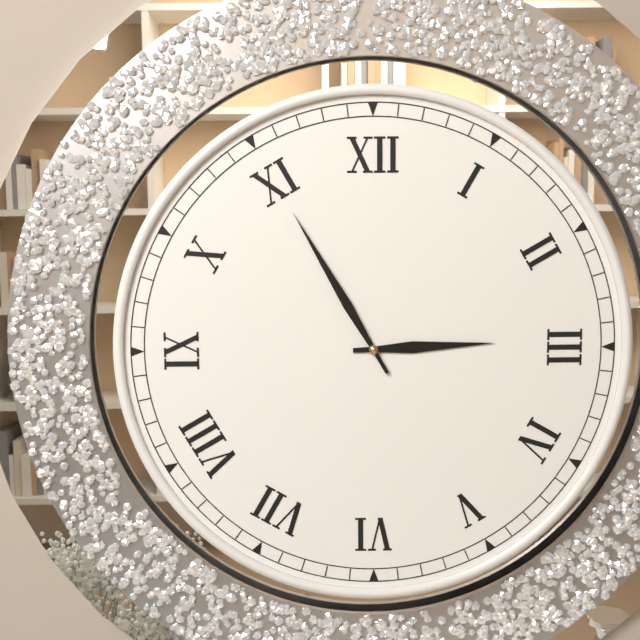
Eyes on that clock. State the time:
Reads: 2:55
